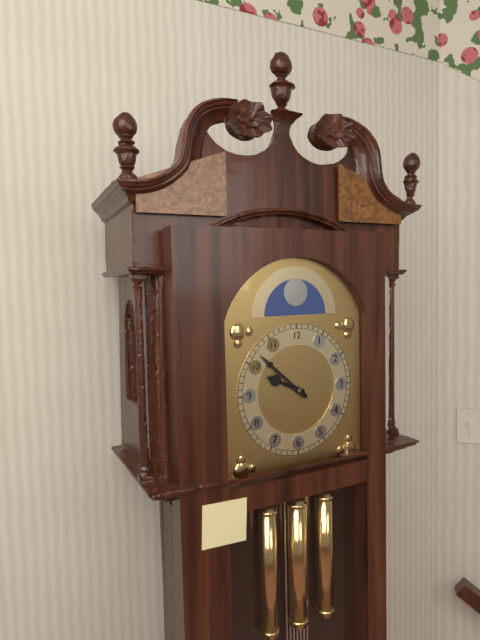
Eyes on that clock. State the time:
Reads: 9:52
